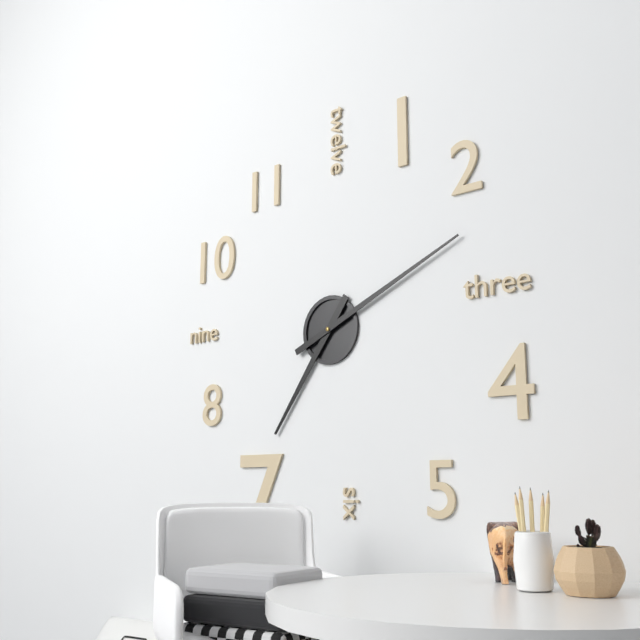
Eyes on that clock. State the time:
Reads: 7:11
